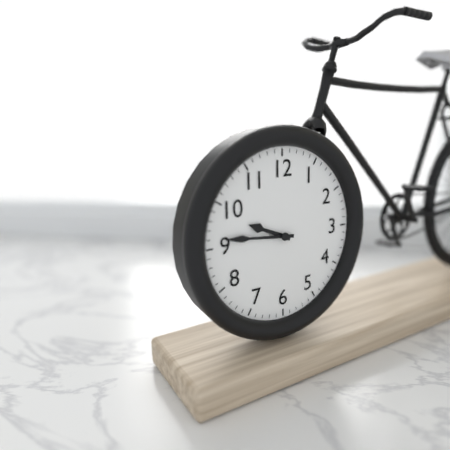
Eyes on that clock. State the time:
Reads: 9:46
